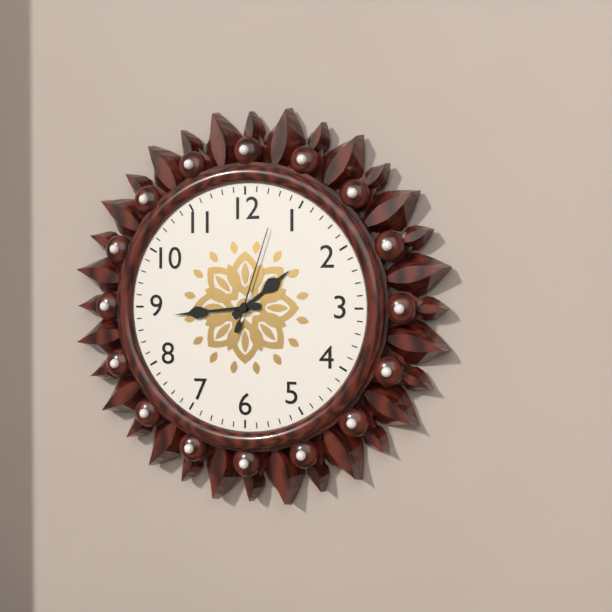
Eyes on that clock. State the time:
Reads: 1:44:03
